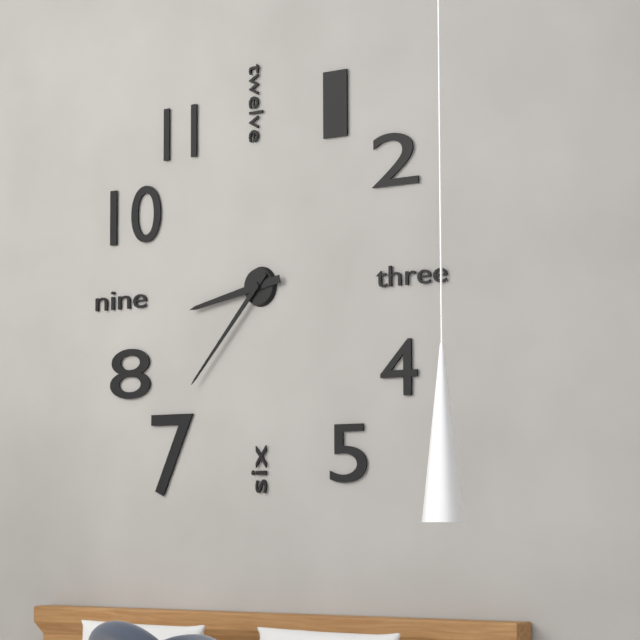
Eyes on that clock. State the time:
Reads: 8:37
